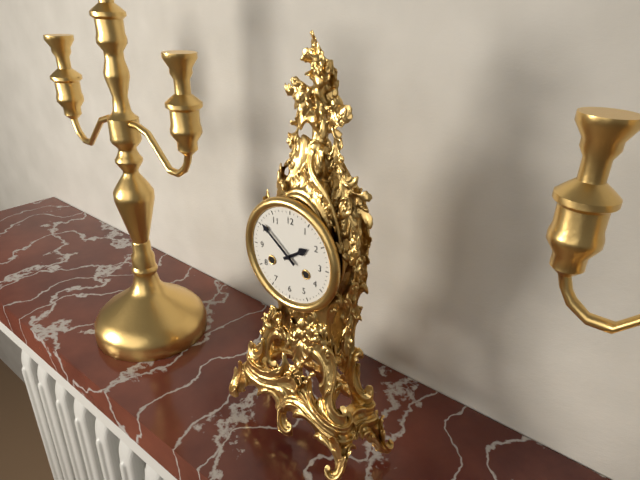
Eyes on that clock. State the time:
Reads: 1:51
